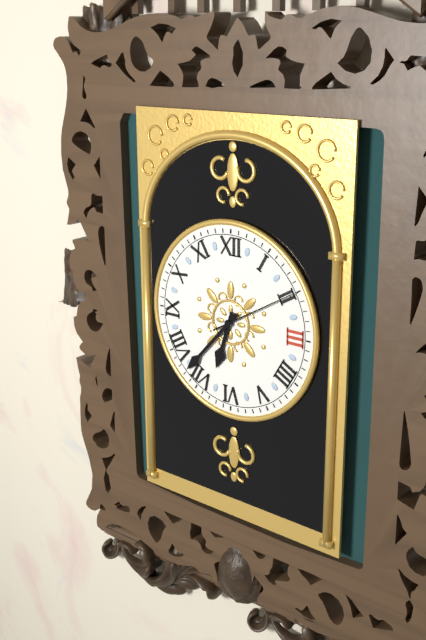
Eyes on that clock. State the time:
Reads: 6:37:10
